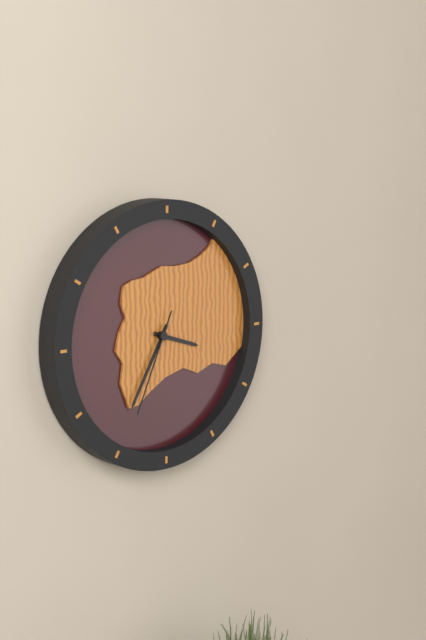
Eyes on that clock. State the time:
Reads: 3:35:34
